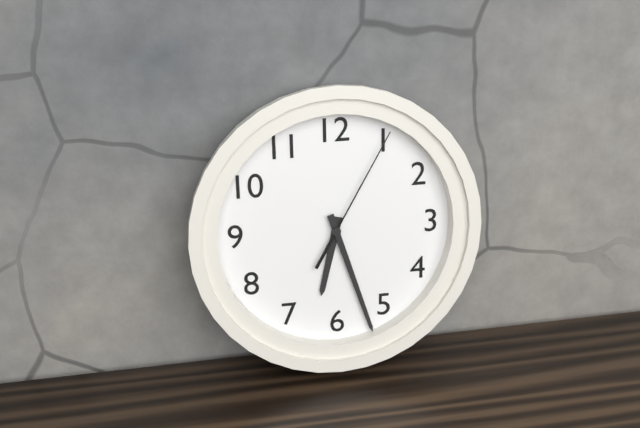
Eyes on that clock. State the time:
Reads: 6:27:05
